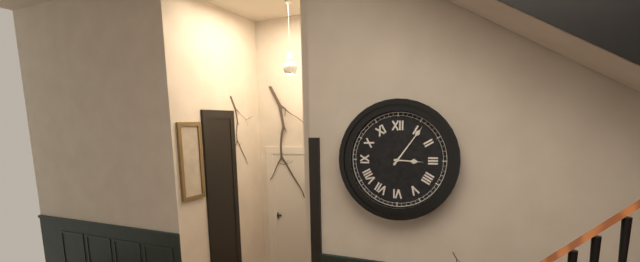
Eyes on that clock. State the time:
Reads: 3:06
